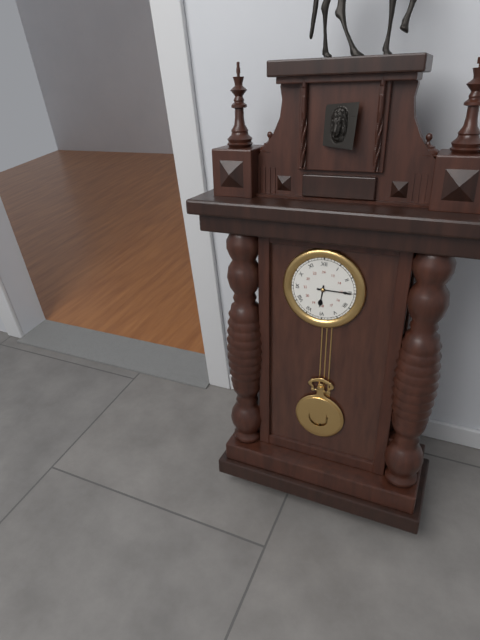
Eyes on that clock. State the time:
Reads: 6:15
